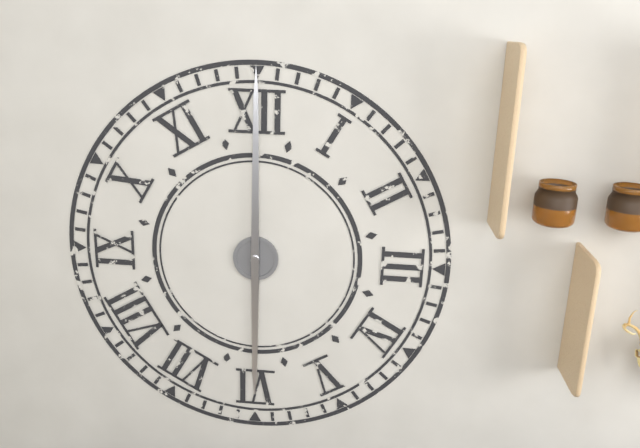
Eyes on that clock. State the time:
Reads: 6:00
